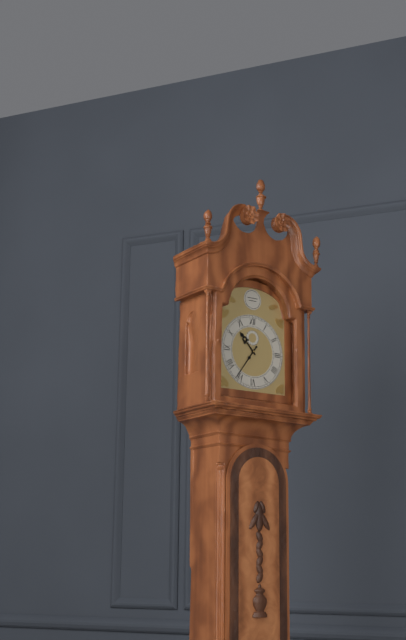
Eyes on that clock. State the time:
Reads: 10:36
